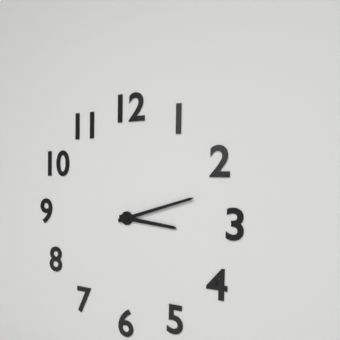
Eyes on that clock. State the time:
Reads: 3:12
